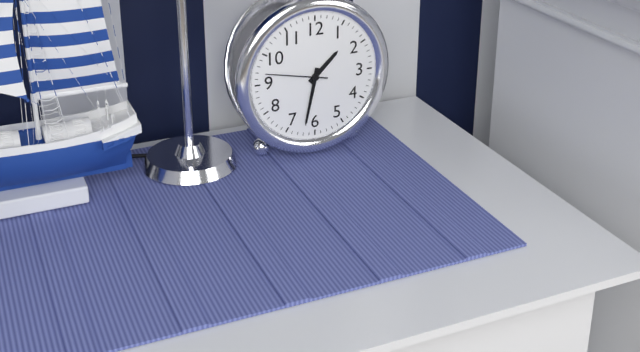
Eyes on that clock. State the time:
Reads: 1:32:47
